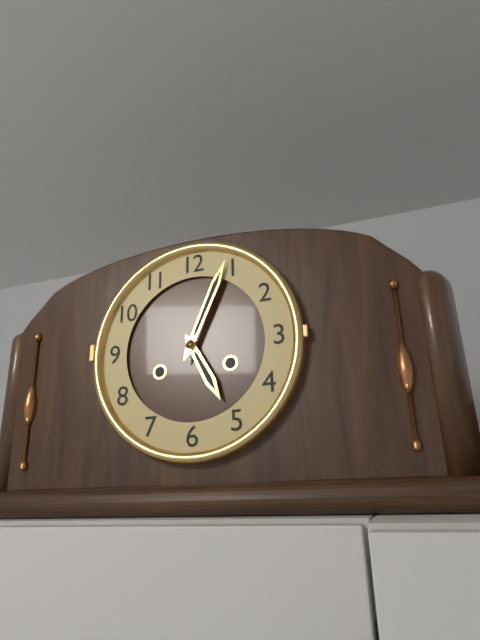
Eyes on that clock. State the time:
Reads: 5:04
